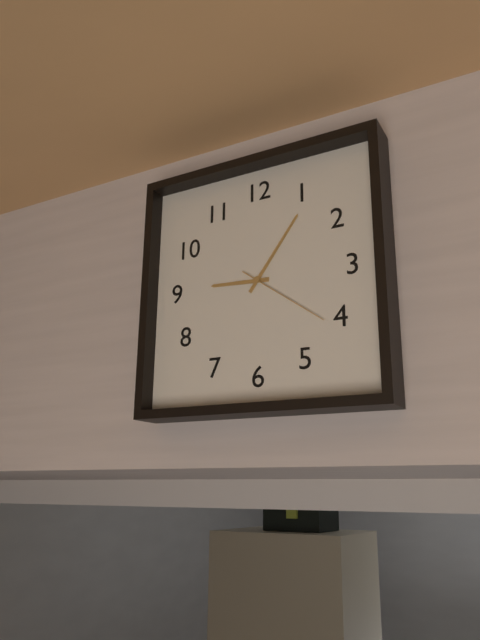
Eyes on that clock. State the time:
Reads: 9:06:21
